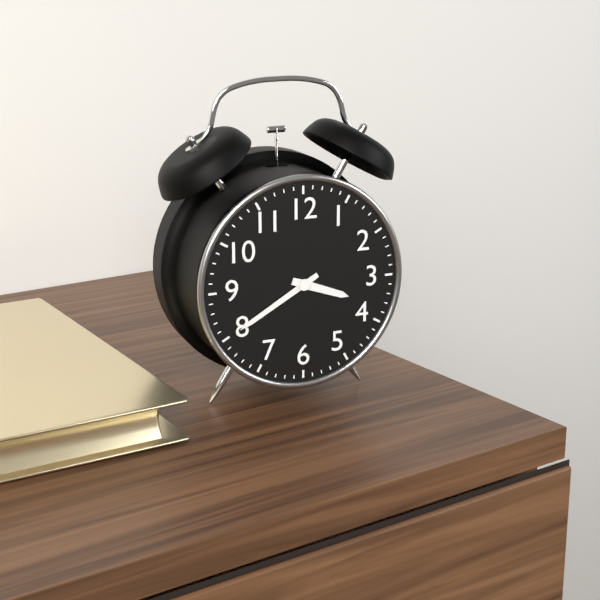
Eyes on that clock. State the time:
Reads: 3:40
